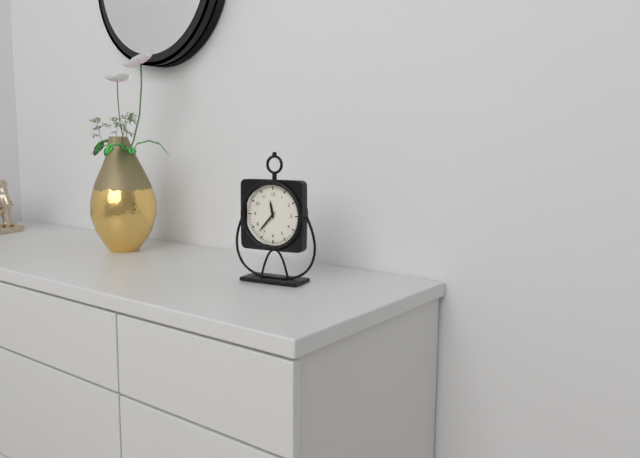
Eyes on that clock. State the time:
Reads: 11:37
